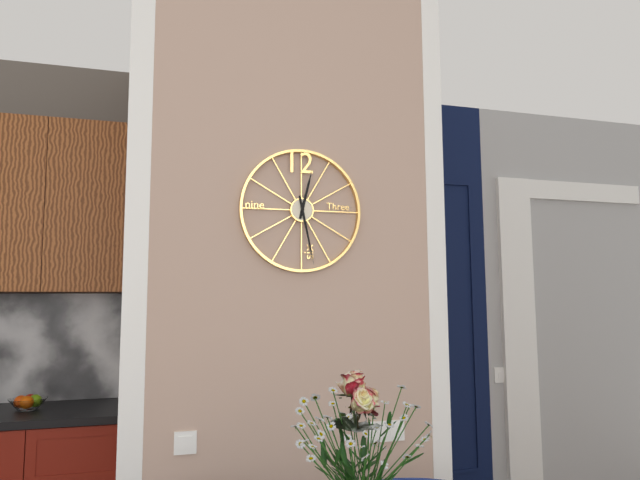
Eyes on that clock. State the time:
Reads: 12:28
